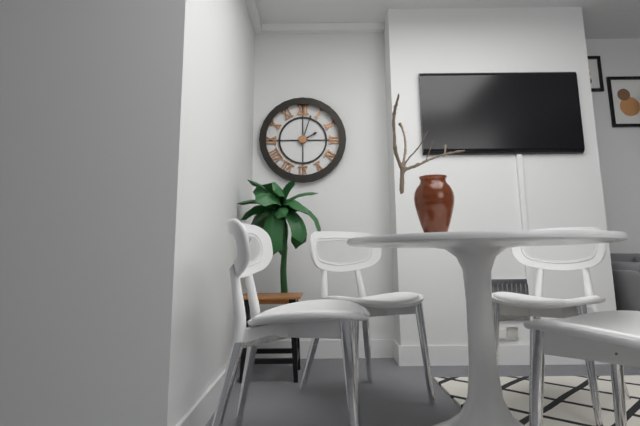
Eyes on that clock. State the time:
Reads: 2:03
